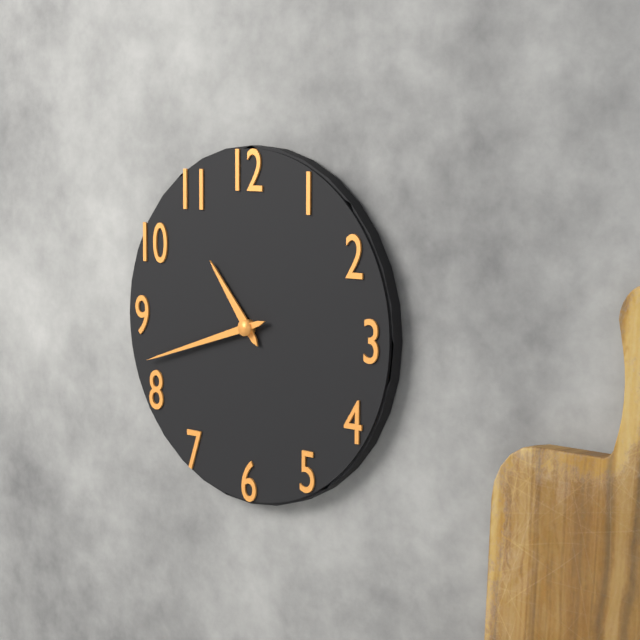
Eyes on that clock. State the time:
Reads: 10:42
